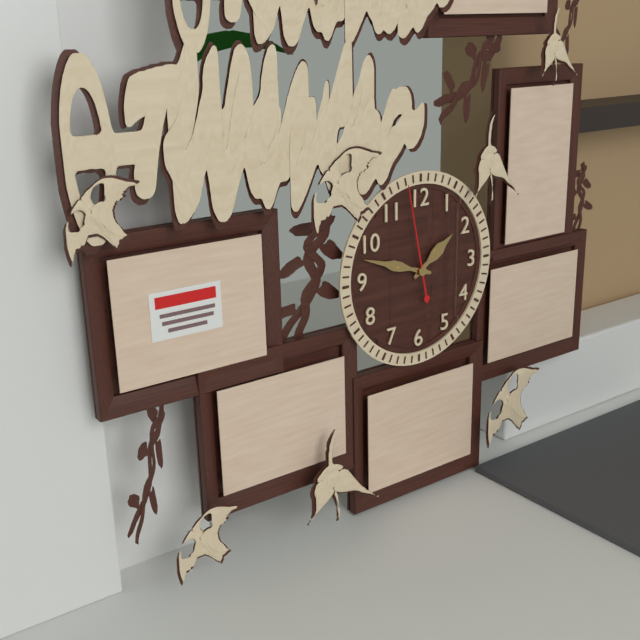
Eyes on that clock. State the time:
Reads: 1:48:58
